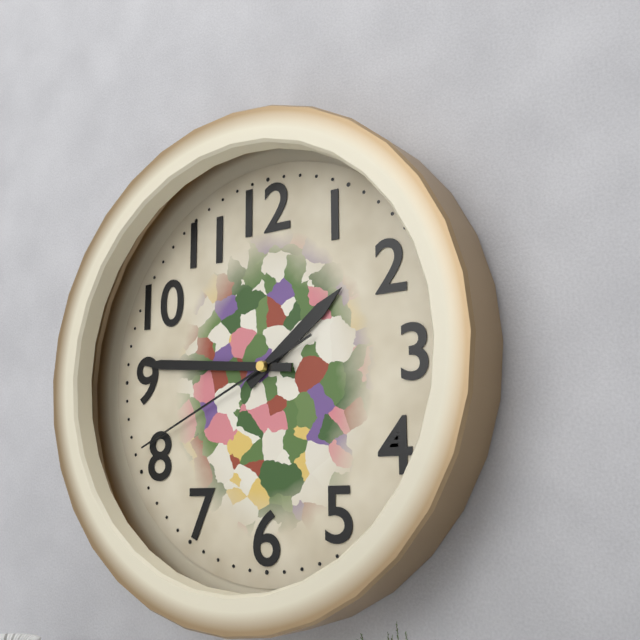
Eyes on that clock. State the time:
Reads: 1:46:41
